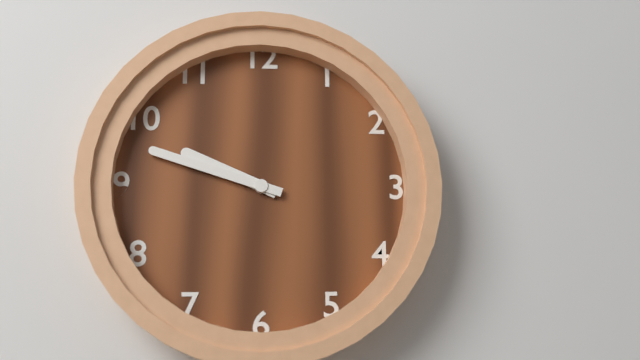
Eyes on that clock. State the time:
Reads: 9:48
